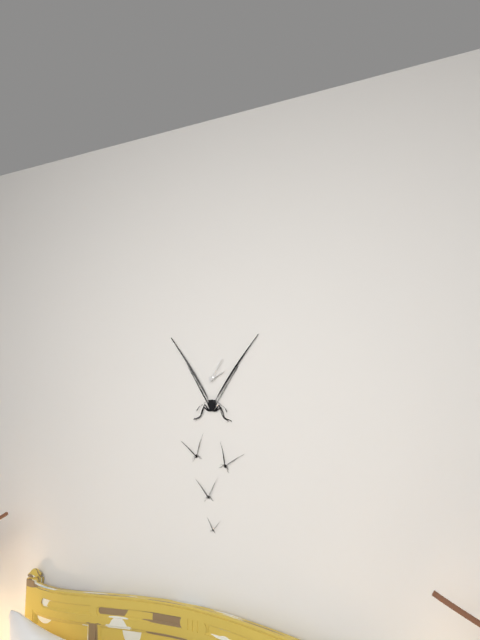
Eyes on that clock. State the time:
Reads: 2:05
